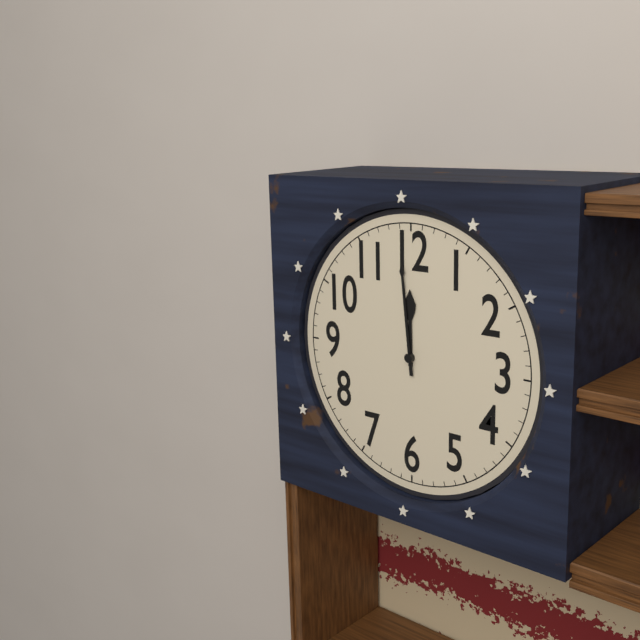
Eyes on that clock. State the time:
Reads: 11:59
